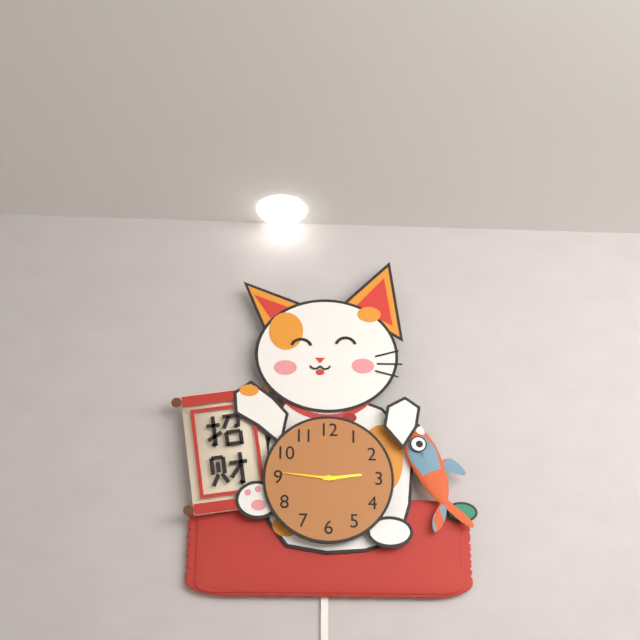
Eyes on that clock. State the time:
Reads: 2:46
